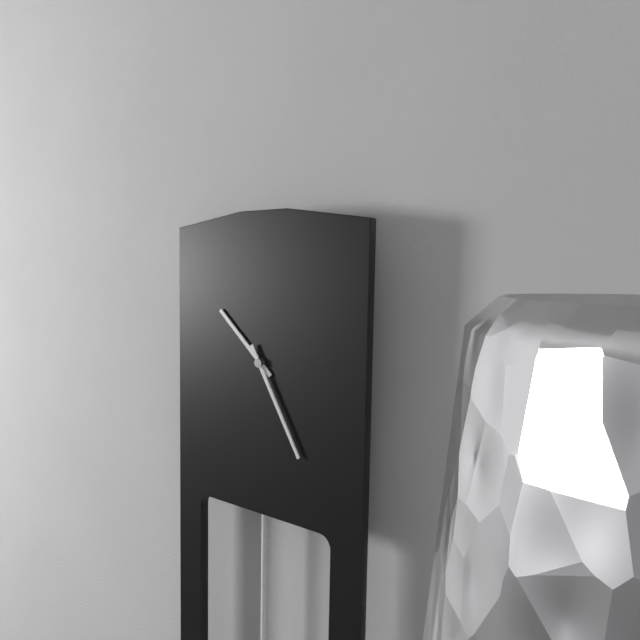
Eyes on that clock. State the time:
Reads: 10:25
